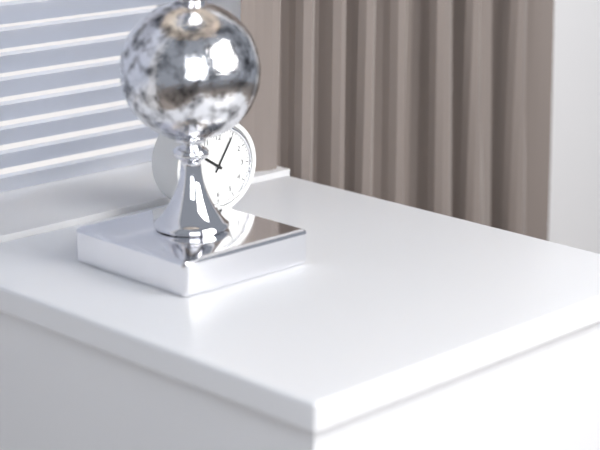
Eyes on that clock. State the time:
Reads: 10:05
